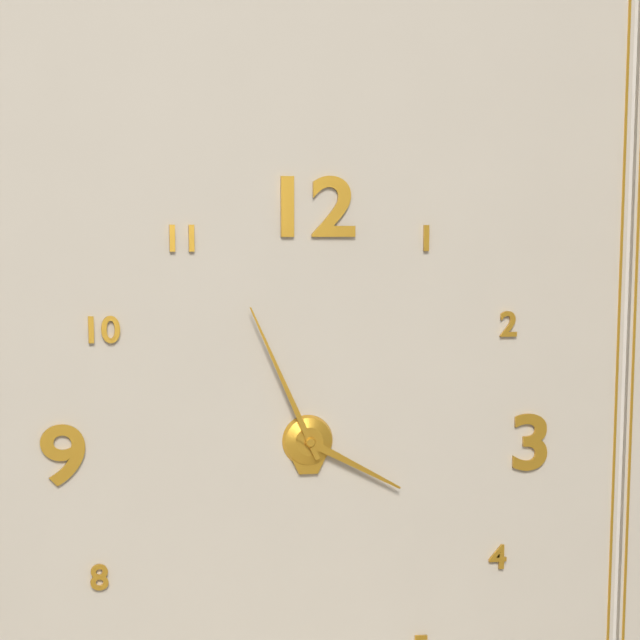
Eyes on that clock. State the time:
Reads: 3:56
